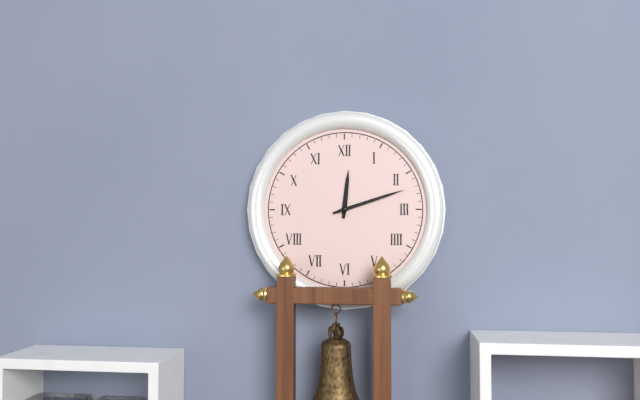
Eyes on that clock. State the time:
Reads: 12:12
